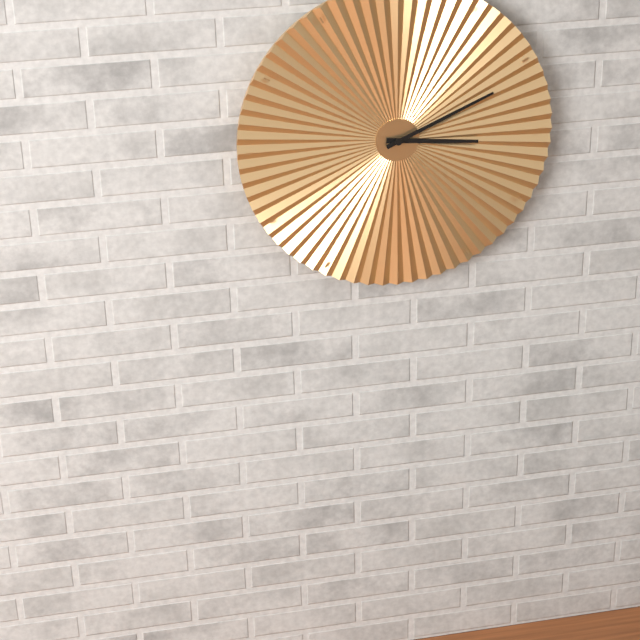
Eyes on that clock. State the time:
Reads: 3:11
